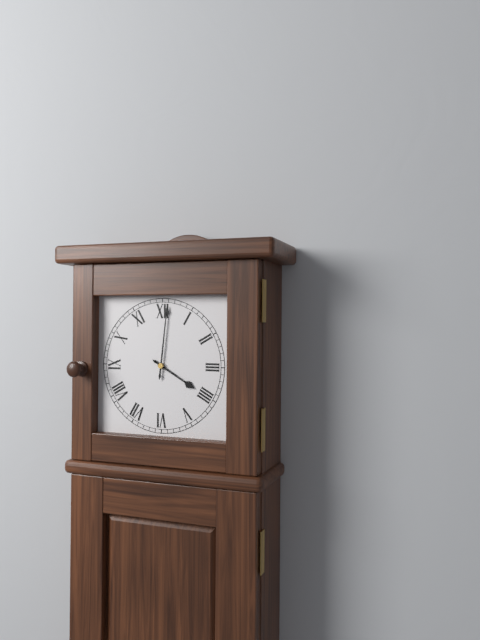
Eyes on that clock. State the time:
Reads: 4:01
